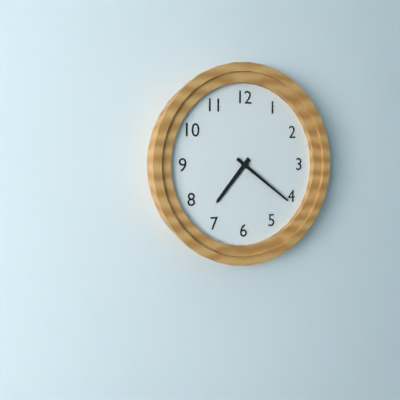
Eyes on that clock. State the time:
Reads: 7:21
